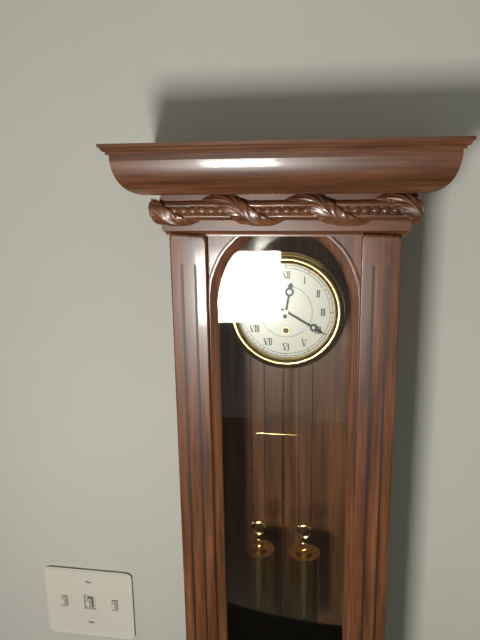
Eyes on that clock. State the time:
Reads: 12:20
